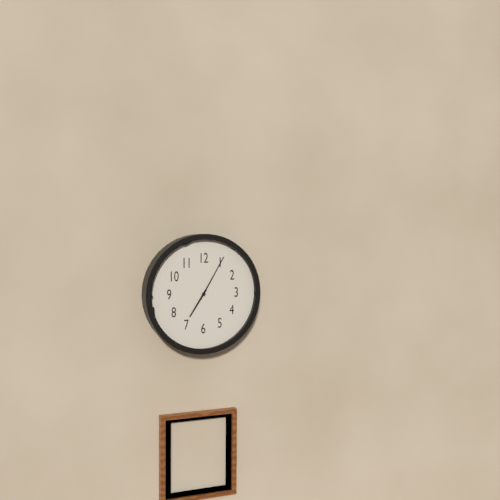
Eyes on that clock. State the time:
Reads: 7:05
